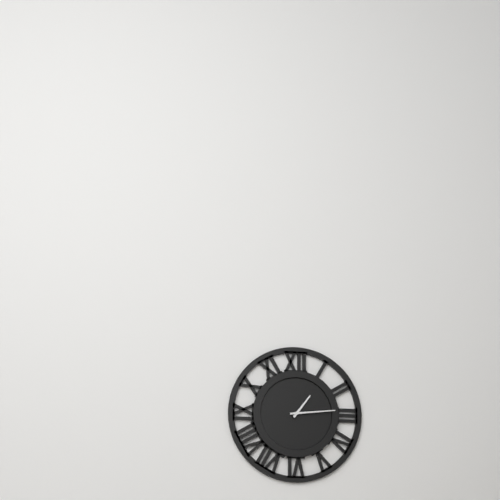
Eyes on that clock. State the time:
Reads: 1:14
